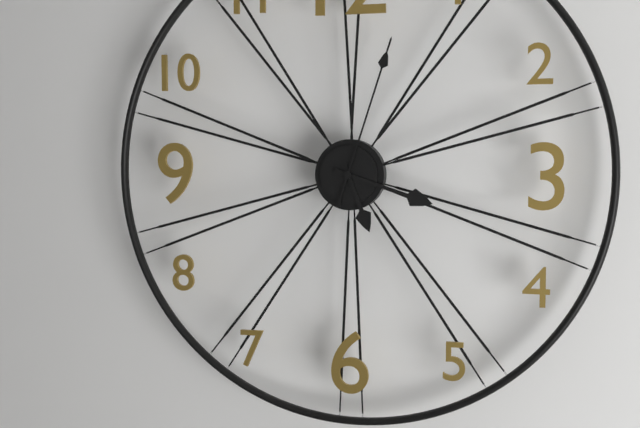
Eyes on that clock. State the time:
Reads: 5:18:03
